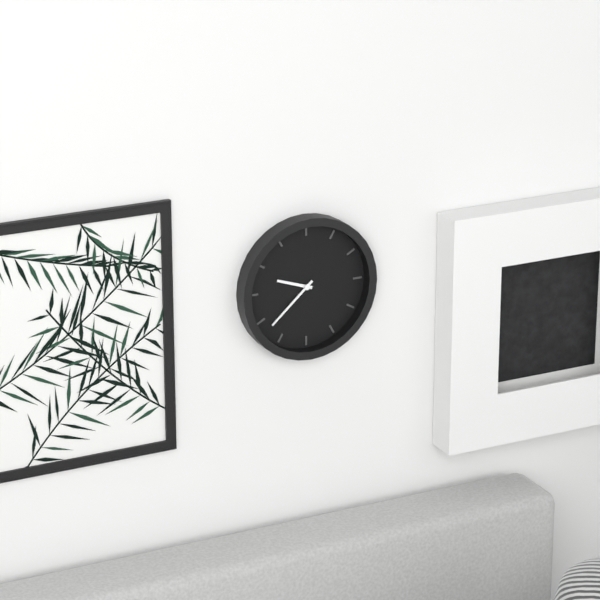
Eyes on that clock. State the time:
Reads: 9:38
